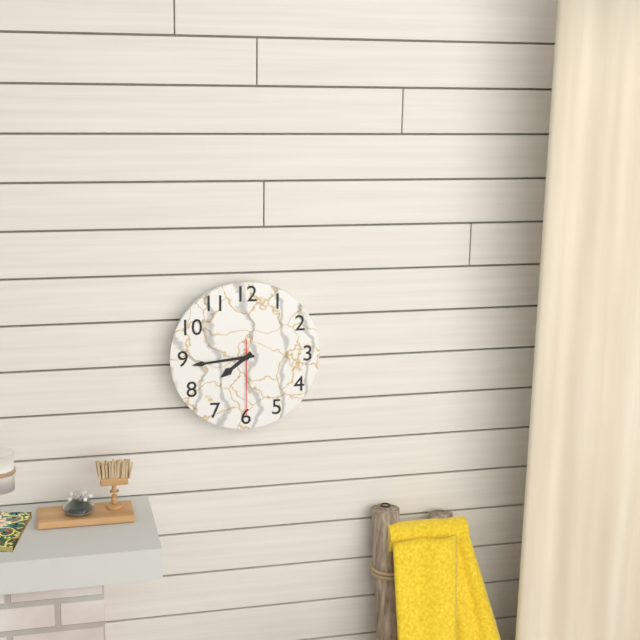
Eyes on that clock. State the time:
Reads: 7:44:30
